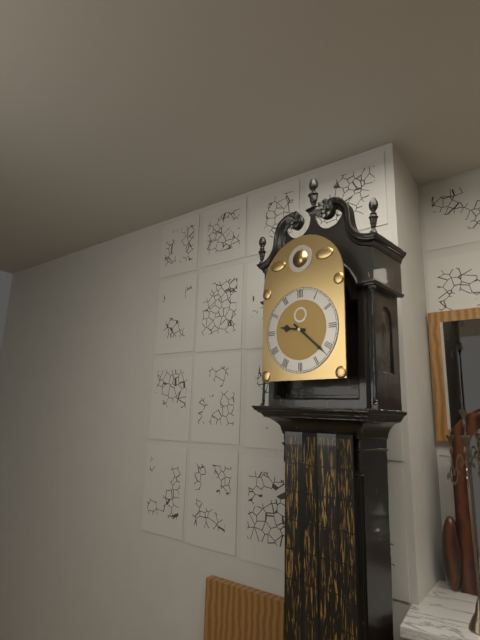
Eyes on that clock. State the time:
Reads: 9:22
